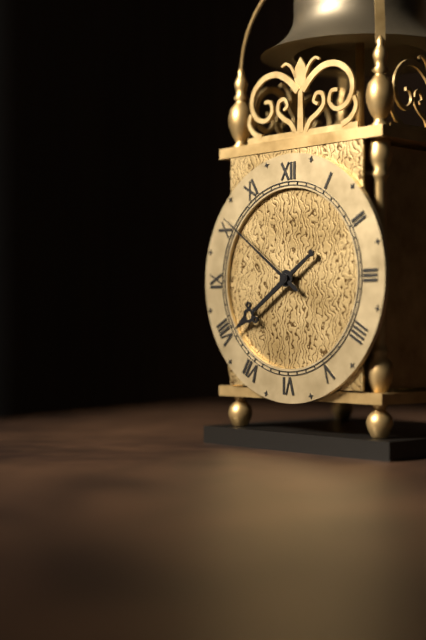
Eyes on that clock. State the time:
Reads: 7:51
